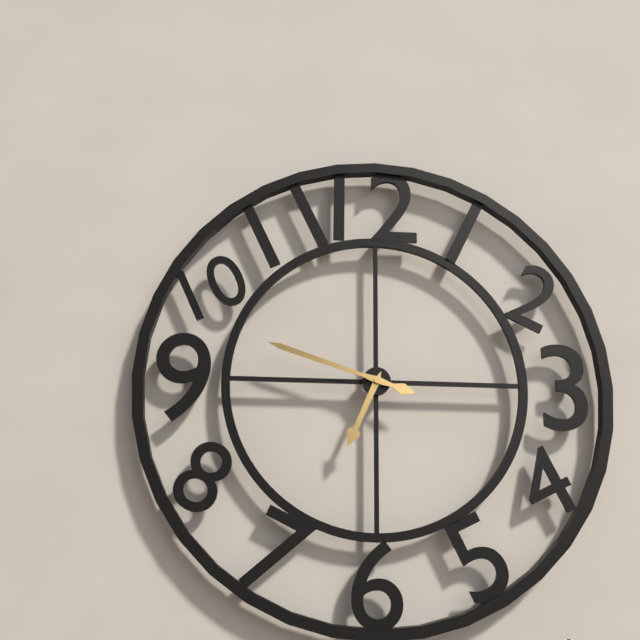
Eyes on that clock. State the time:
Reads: 6:48
